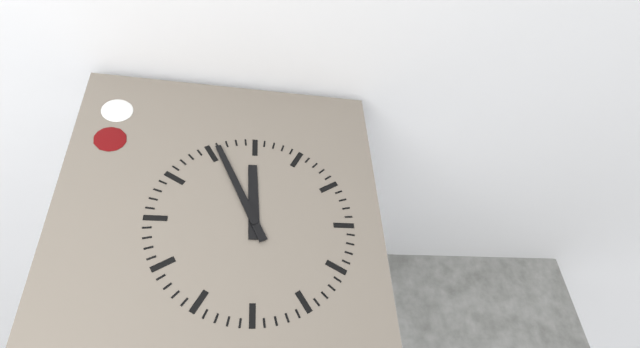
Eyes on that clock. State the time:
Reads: 11:56
